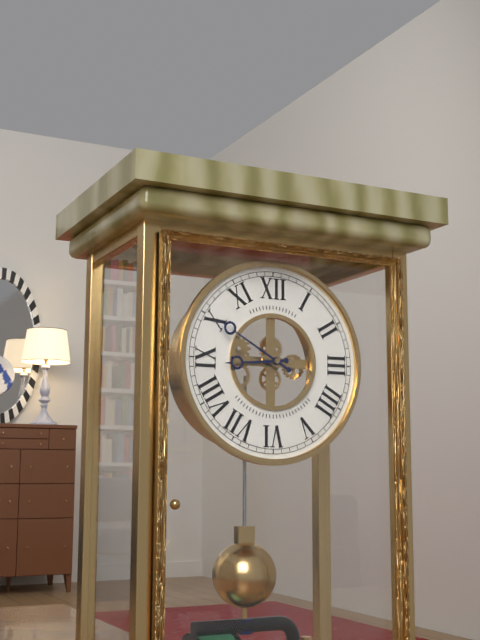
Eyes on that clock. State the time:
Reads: 8:50
